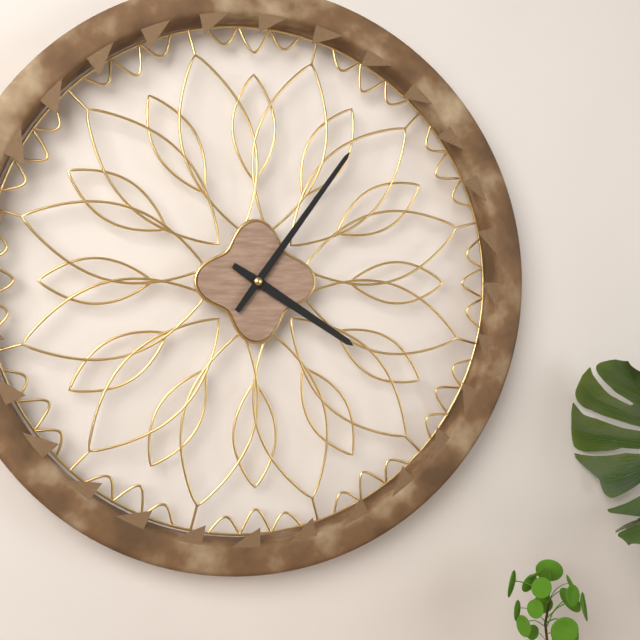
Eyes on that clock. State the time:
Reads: 4:06
